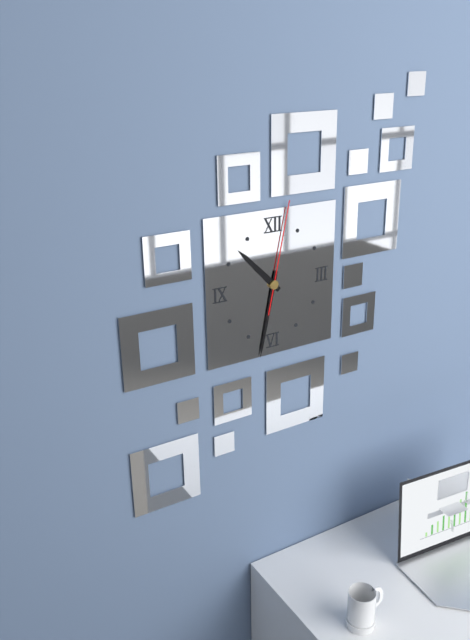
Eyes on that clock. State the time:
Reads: 10:32:02
